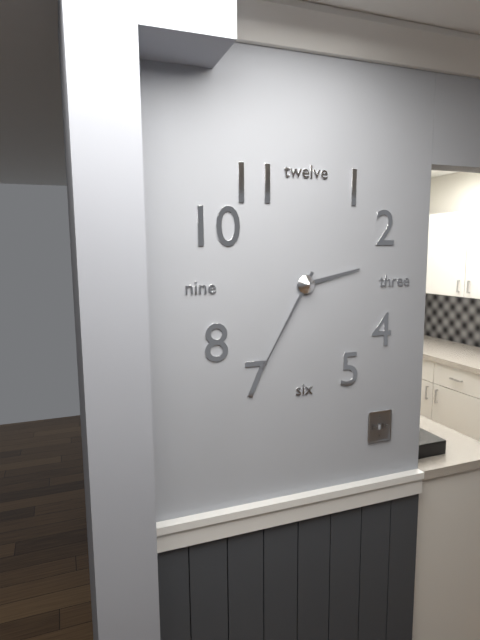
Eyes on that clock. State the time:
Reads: 2:35
